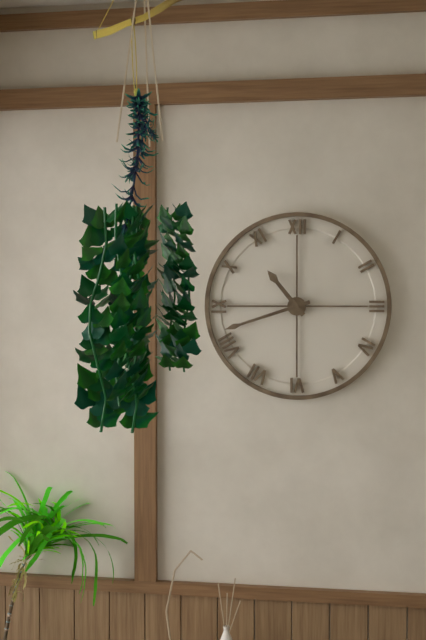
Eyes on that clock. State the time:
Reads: 10:42
